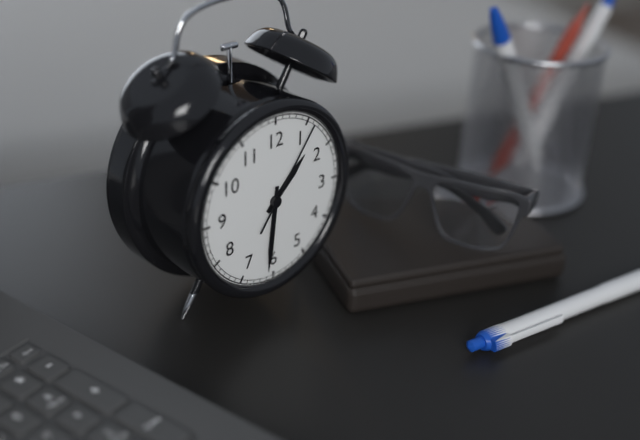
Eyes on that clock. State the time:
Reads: 1:31:06
